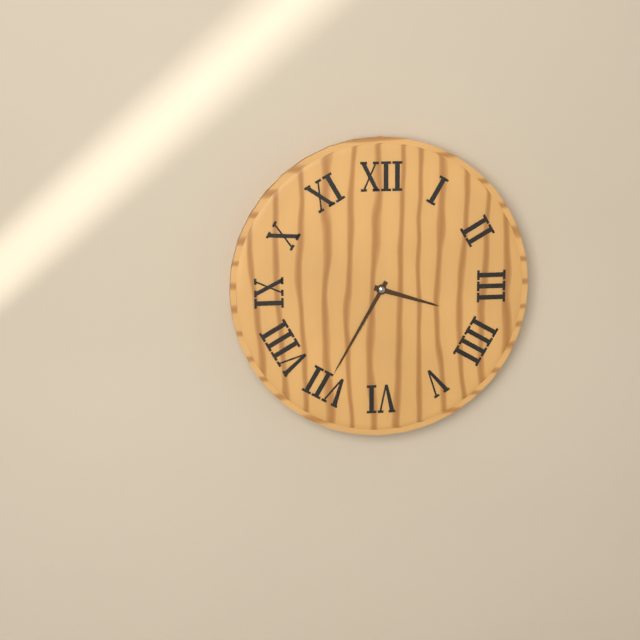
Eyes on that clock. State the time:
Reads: 3:35
